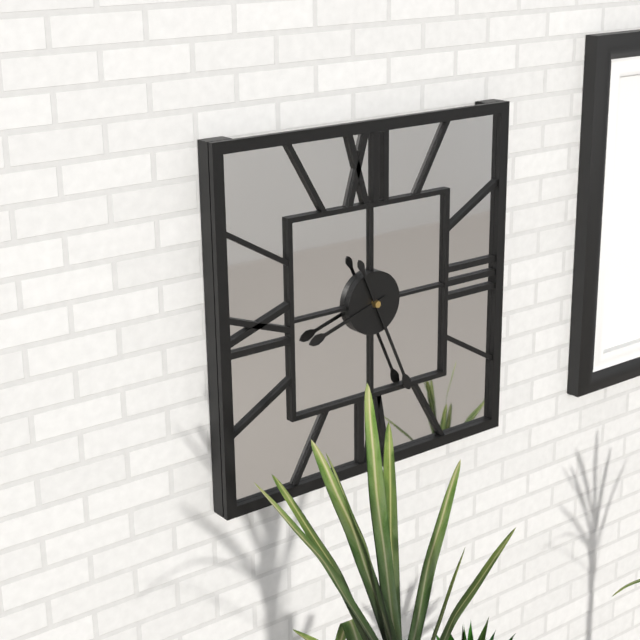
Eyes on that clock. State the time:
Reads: 8:26
